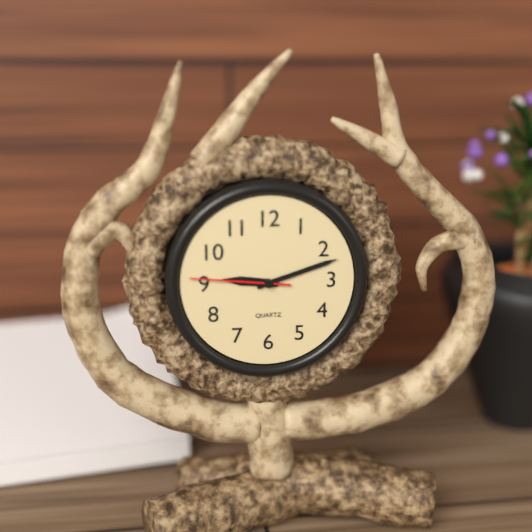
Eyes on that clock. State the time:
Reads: 9:12:46
